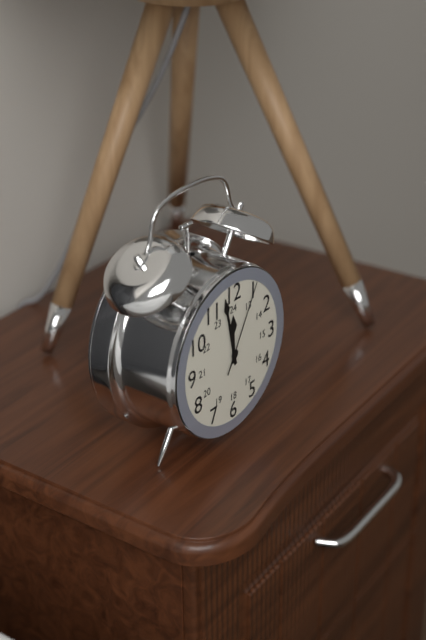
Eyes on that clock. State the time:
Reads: 11:58:05
